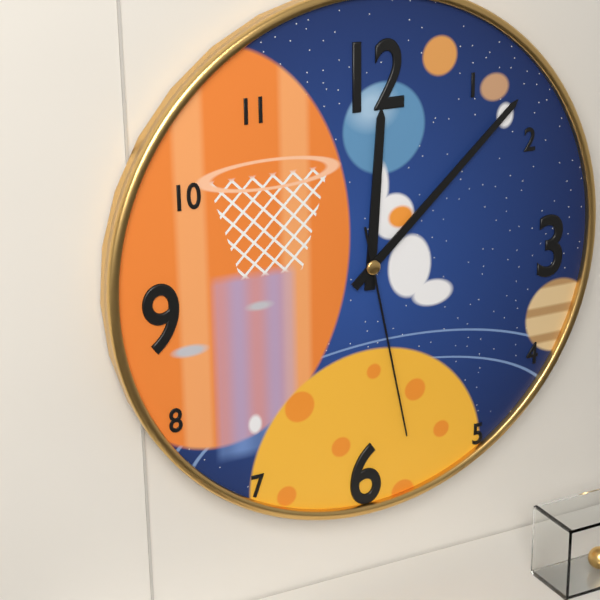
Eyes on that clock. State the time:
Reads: 12:08:28
